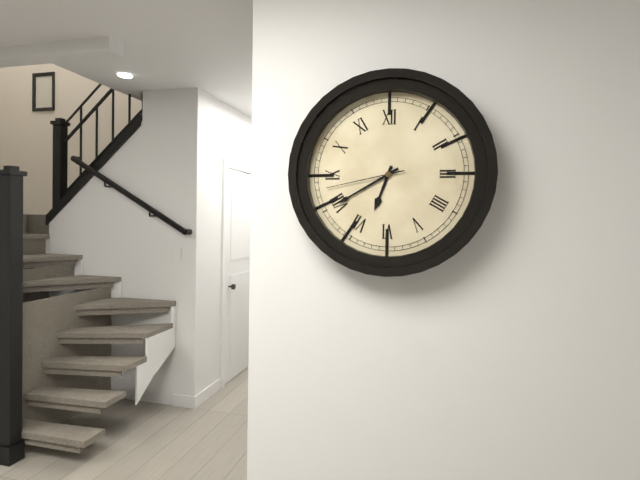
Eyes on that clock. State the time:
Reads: 6:40:43
